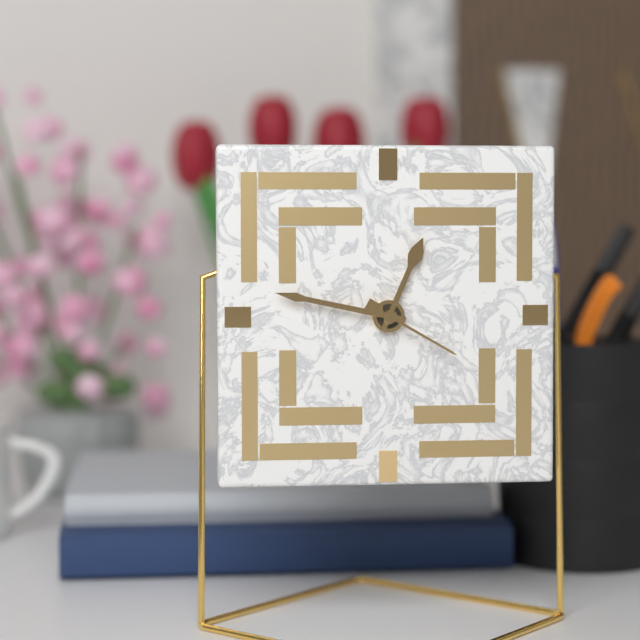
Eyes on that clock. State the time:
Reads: 12:47:20
